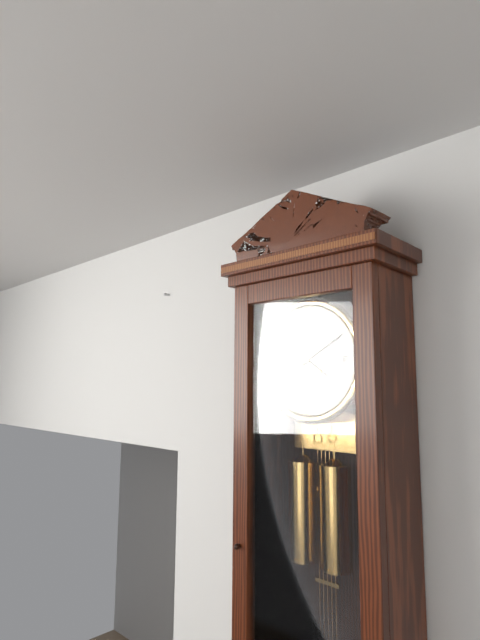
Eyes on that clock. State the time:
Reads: 4:10
